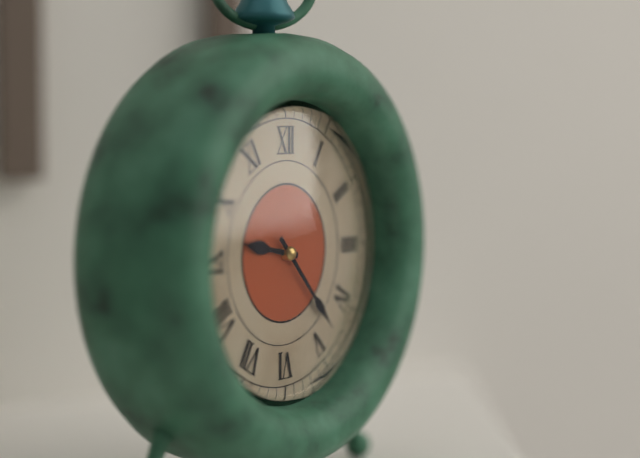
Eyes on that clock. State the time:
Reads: 9:23
